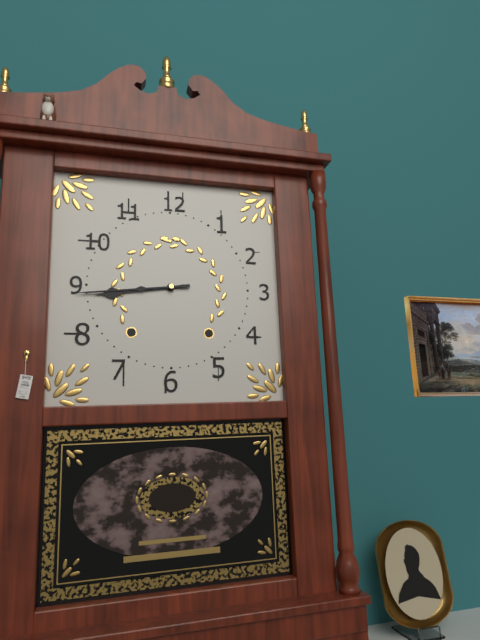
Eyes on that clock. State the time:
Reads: 8:44
